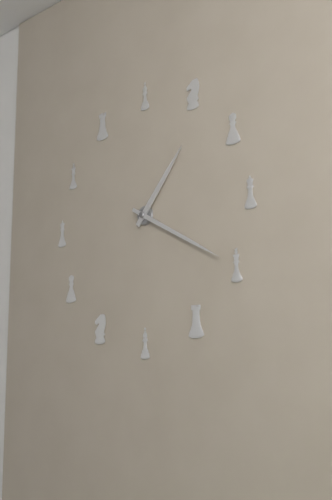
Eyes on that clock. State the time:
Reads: 1:20
